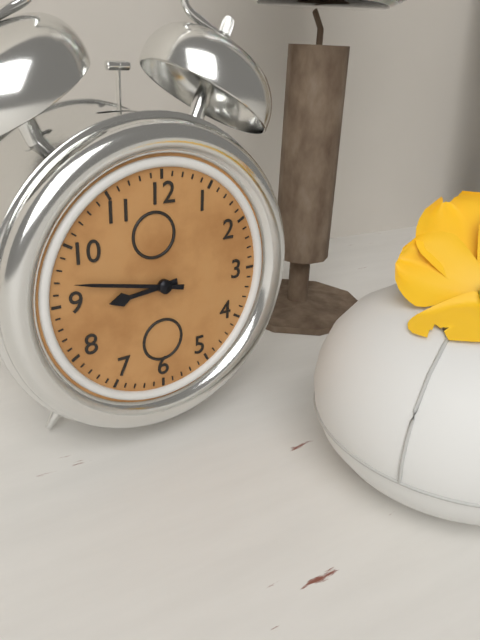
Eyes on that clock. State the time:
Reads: 8:47
